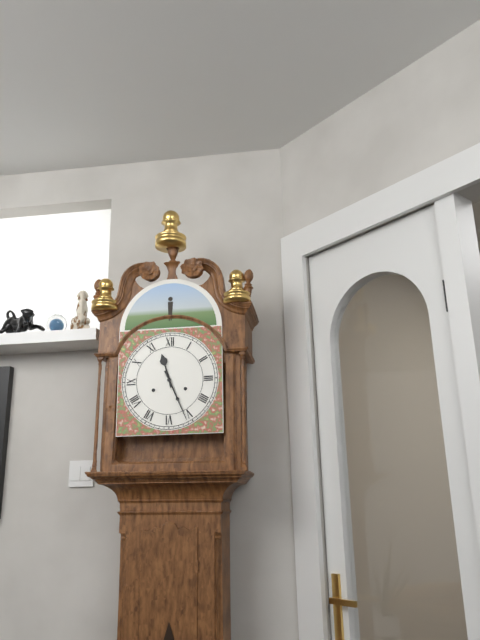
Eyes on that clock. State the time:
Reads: 11:26
